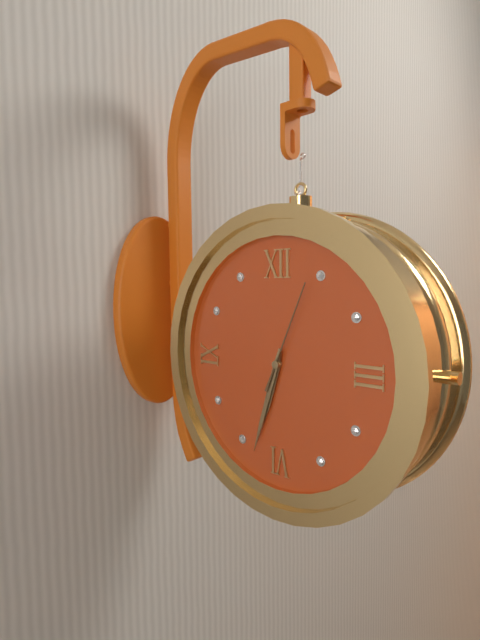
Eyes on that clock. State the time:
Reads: 6:33:04
